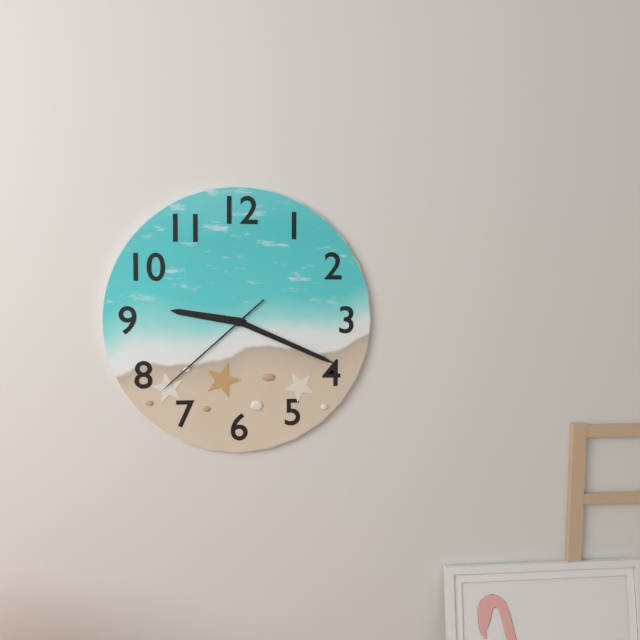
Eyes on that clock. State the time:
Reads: 9:19:38
